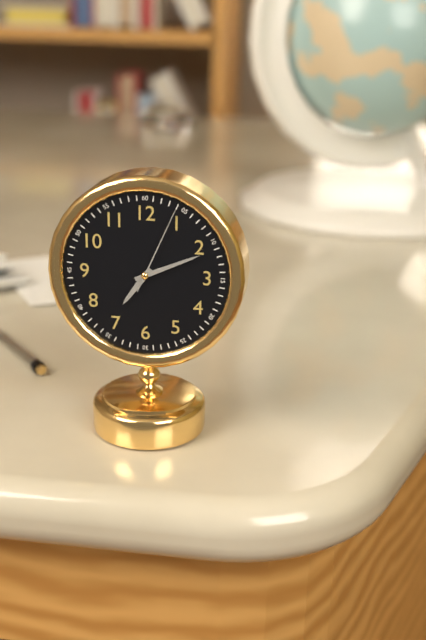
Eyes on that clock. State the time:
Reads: 7:11:04
